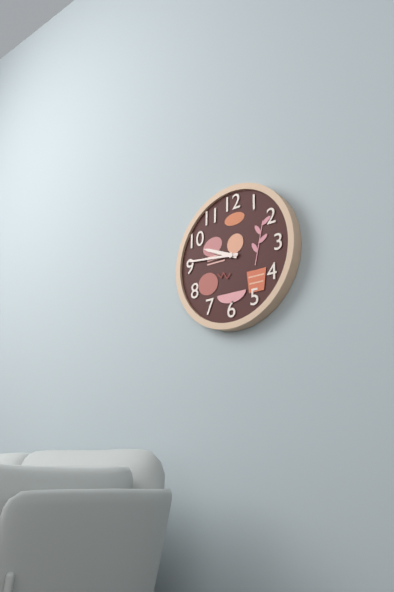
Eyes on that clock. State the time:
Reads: 9:46
